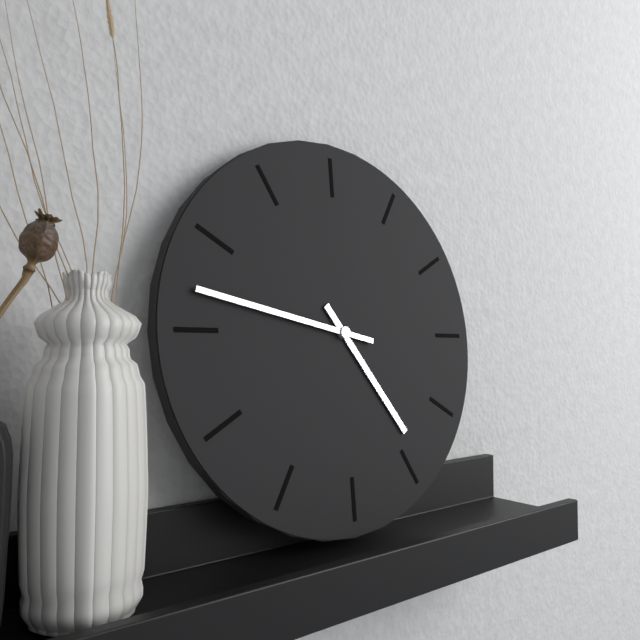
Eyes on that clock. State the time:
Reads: 4:47
